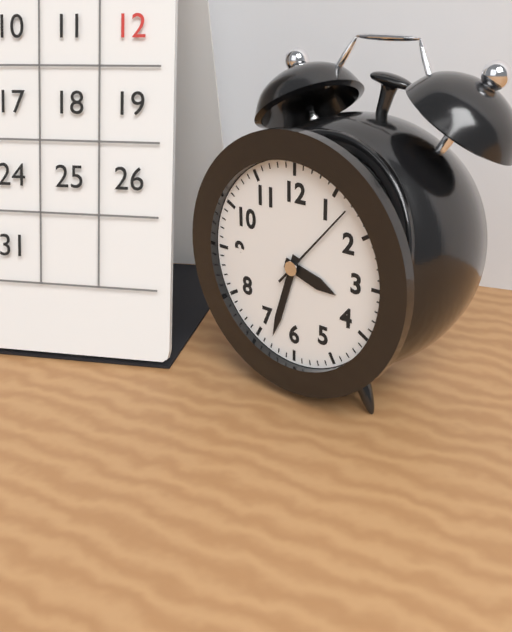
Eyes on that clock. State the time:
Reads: 3:33:07
